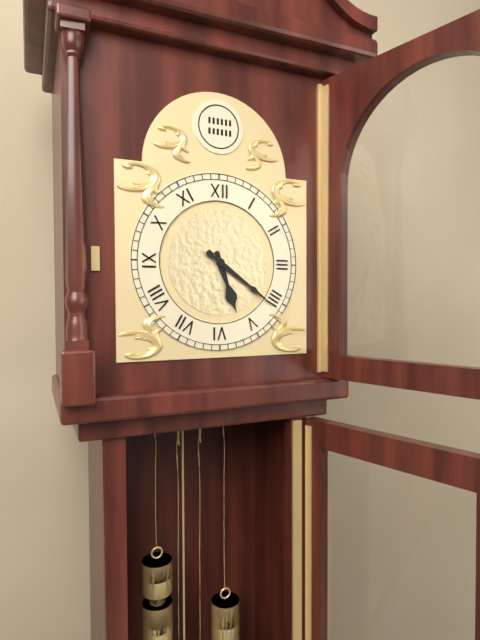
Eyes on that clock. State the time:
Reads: 5:21
